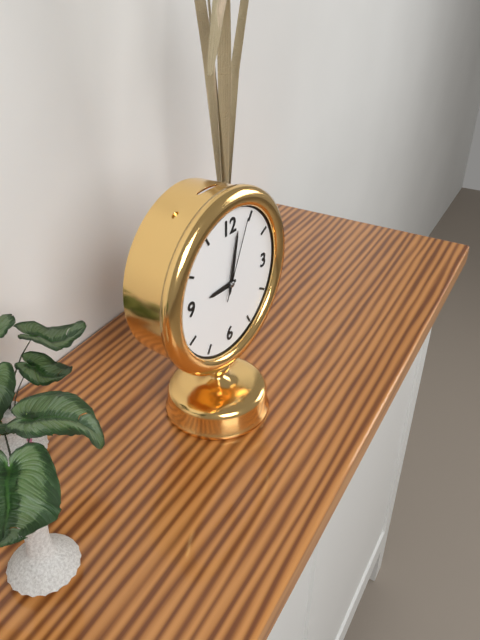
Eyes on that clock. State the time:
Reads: 9:02:04
